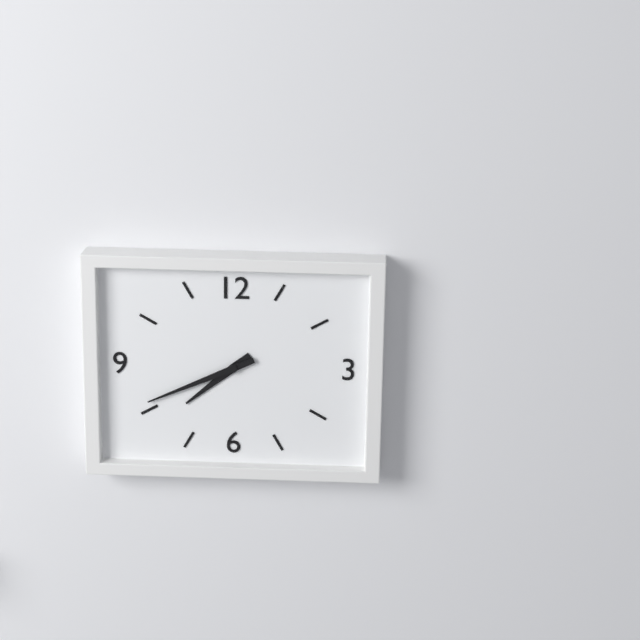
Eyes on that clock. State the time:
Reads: 7:41
